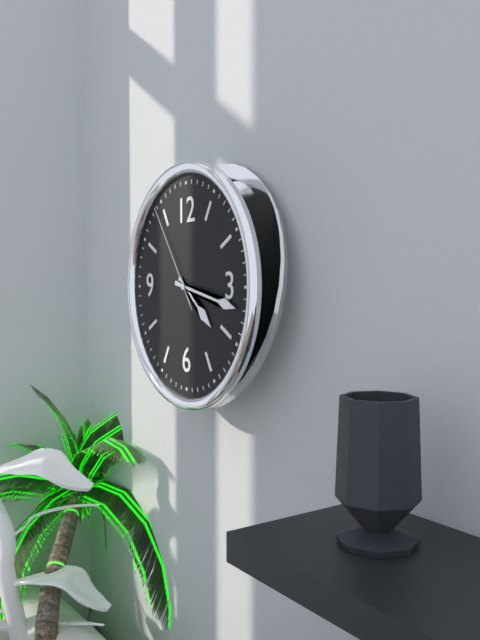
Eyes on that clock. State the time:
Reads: 4:17:54
